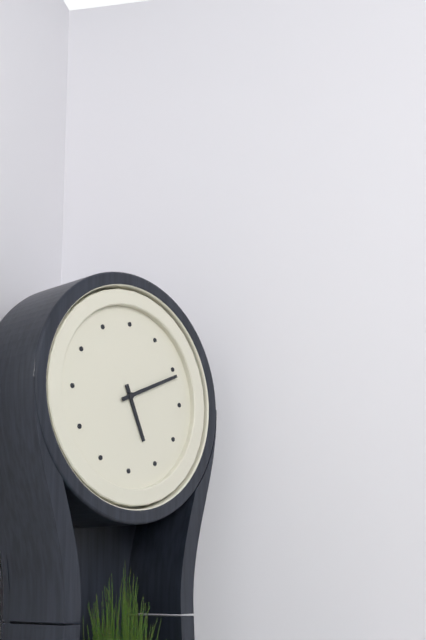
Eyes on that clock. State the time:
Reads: 5:11
